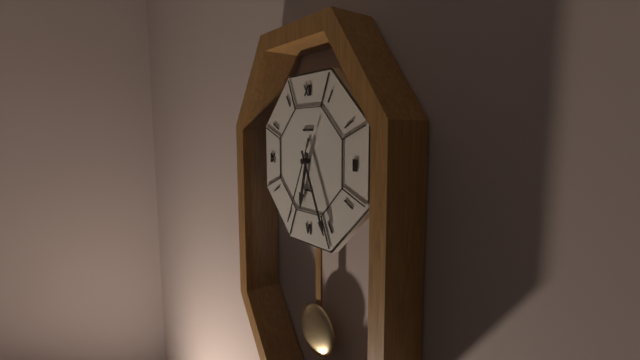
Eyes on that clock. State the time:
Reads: 6:26:34
